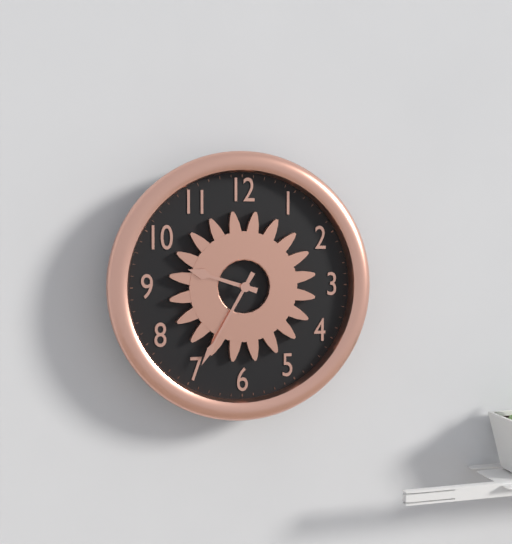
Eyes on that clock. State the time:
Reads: 9:35
